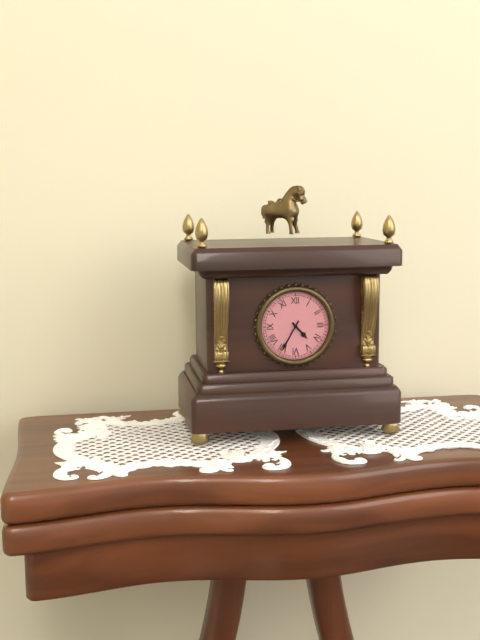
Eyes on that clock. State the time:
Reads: 4:35
